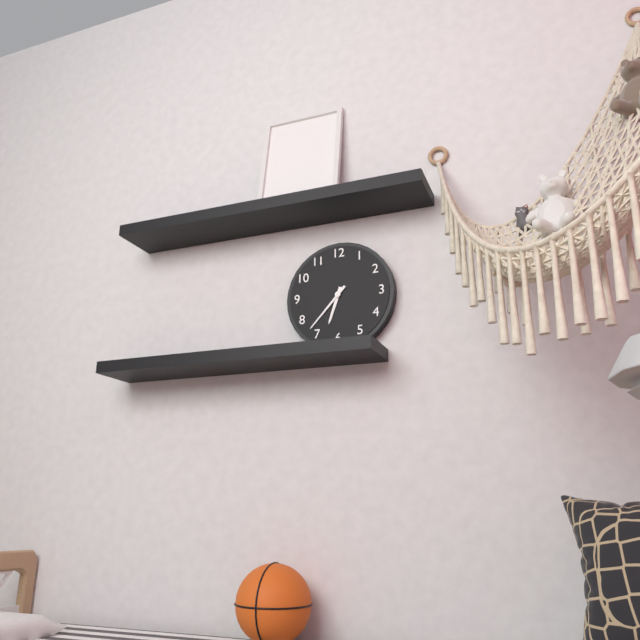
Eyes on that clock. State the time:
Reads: 6:37
